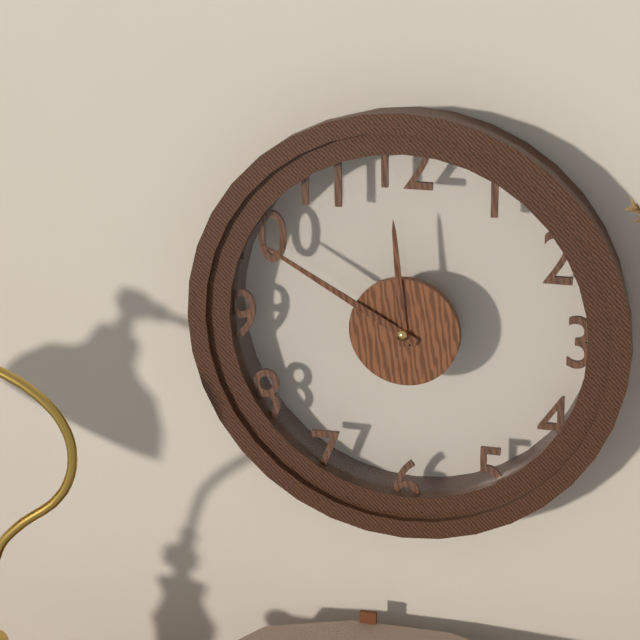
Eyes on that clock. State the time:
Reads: 11:50
